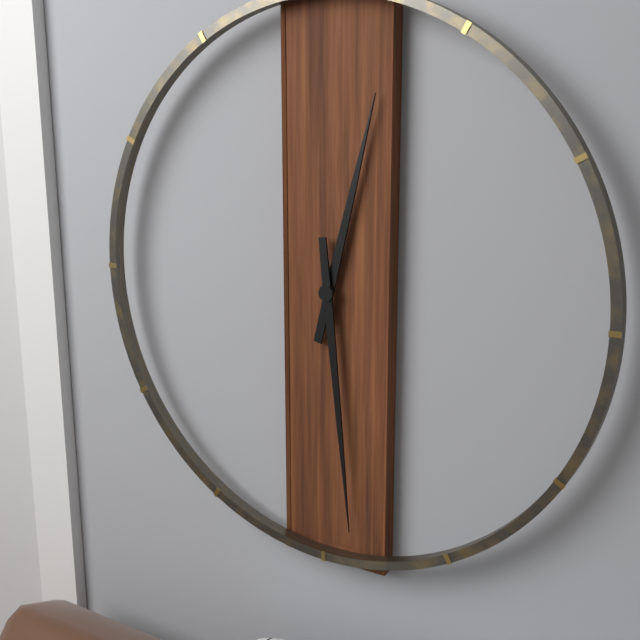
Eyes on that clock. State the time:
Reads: 12:29
